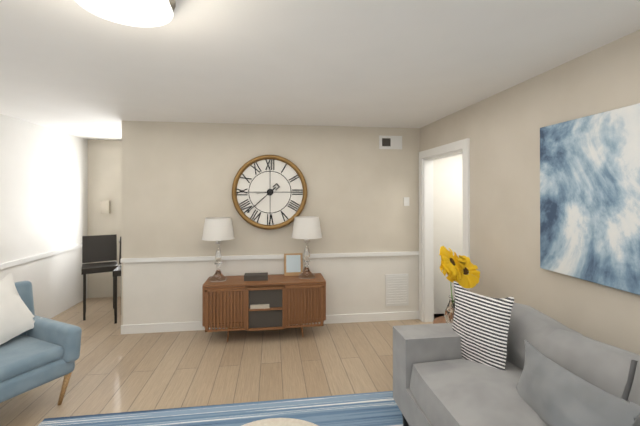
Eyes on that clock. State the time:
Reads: 1:38
